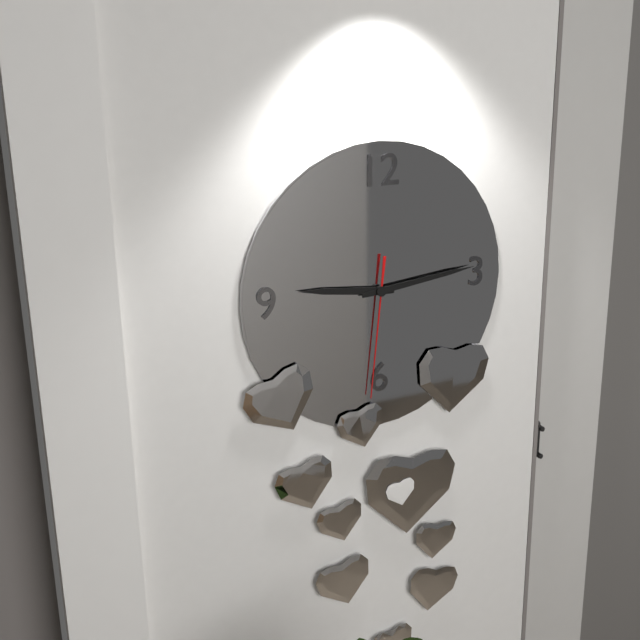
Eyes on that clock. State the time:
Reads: 9:14:31
